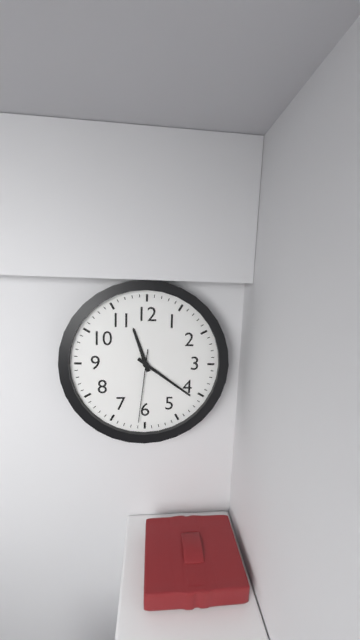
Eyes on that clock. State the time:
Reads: 11:21:31
